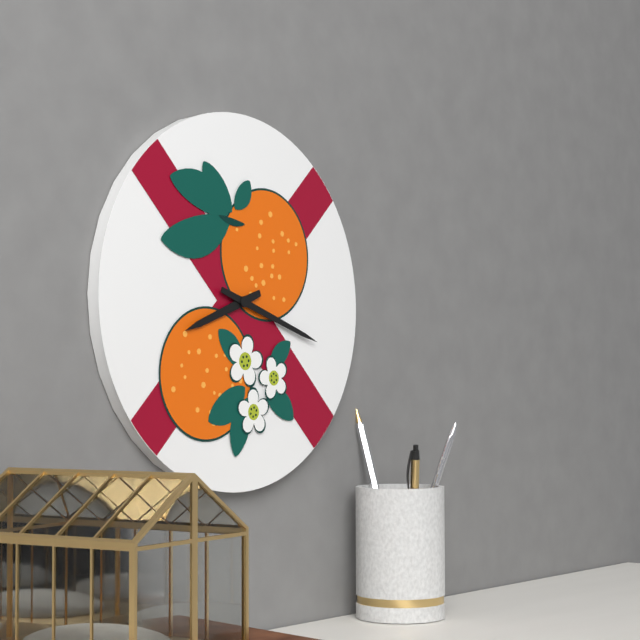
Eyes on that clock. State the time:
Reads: 8:18
